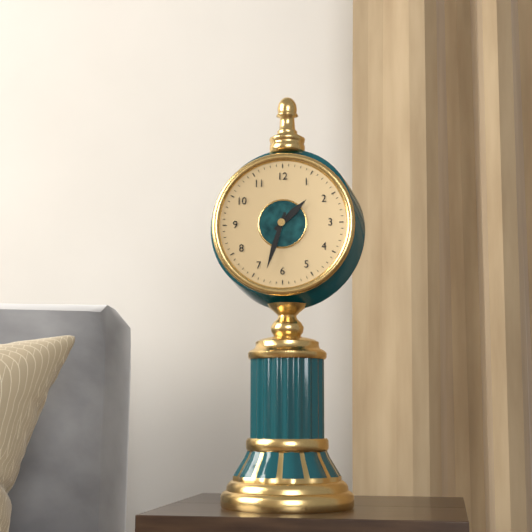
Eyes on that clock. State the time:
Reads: 1:33
